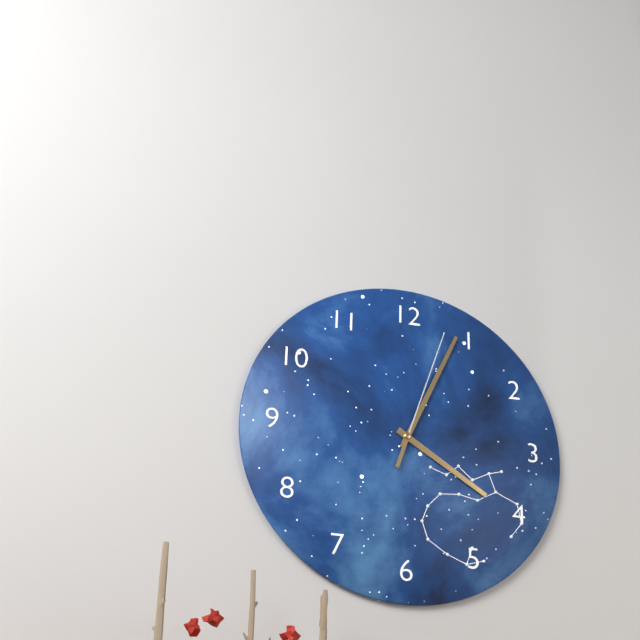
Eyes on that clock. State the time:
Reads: 4:04:03
